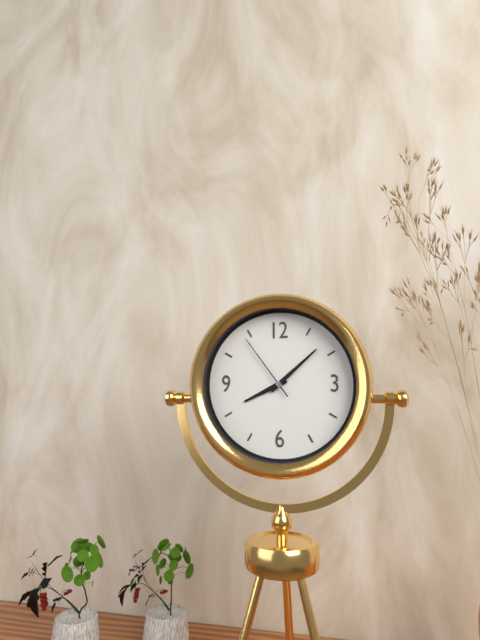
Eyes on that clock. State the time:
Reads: 8:08:54
